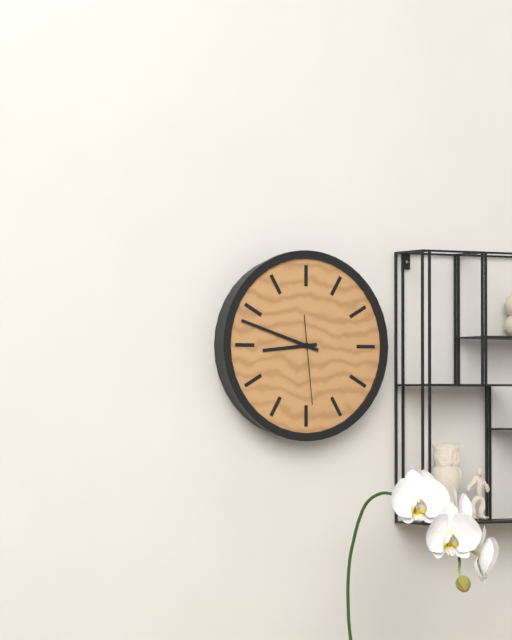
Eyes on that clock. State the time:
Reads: 8:48:29
